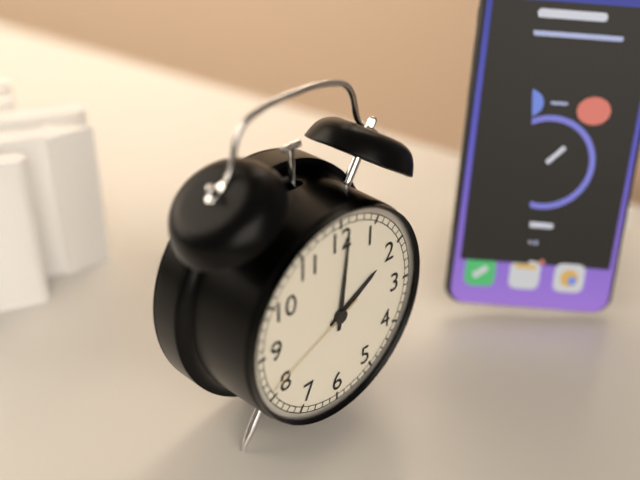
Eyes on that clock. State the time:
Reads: 2:01:41
